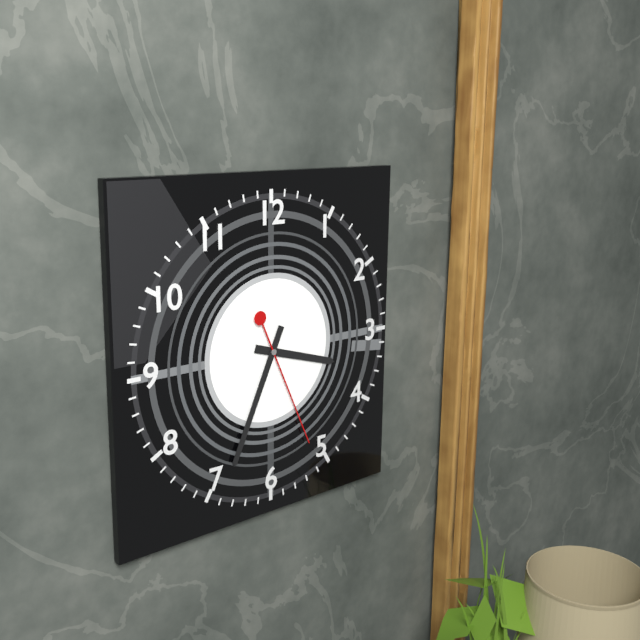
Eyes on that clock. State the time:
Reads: 3:34:26
